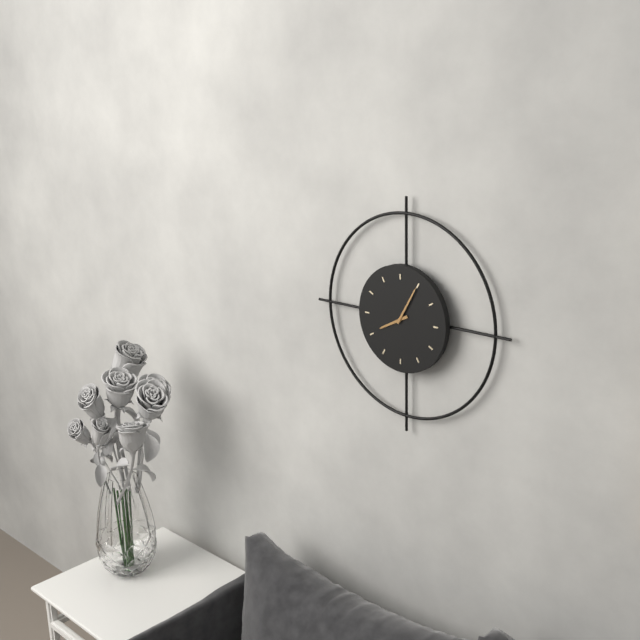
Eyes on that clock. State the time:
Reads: 8:05
